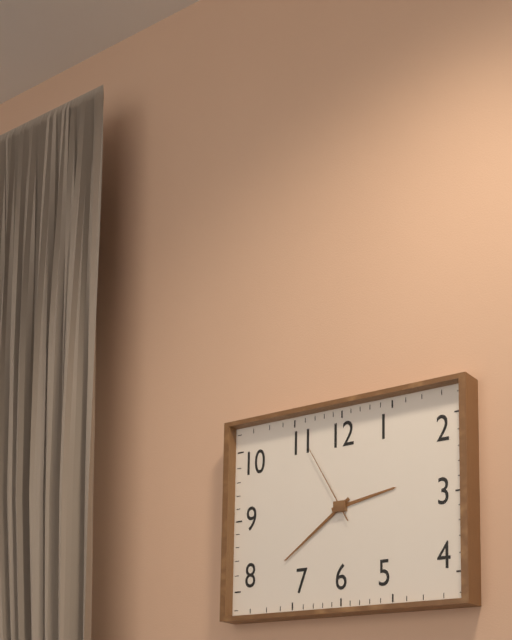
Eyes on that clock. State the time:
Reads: 2:39:55
